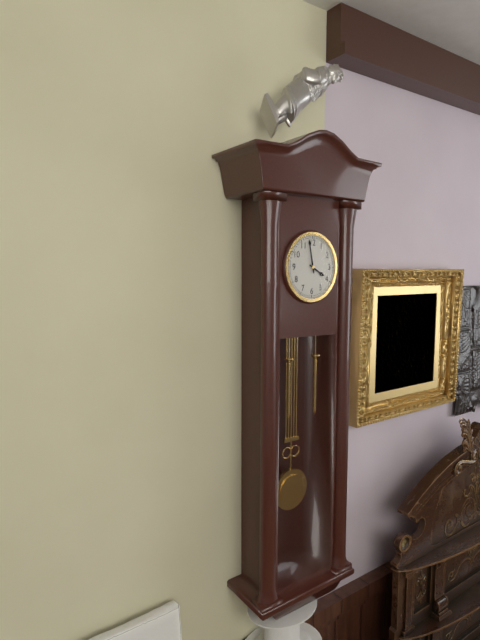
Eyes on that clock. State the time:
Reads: 3:58
